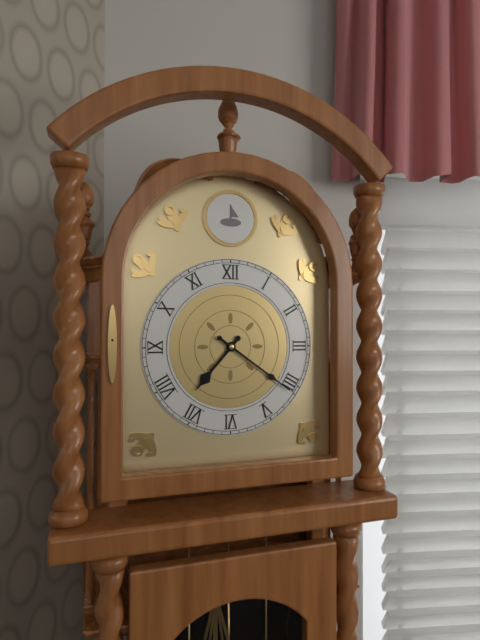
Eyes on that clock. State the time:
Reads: 7:21
